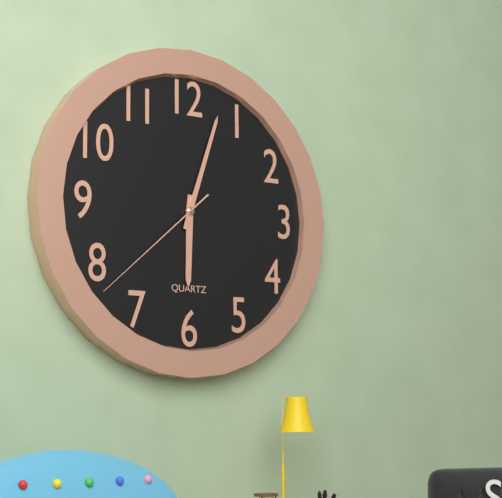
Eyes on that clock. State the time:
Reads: 6:03:38
